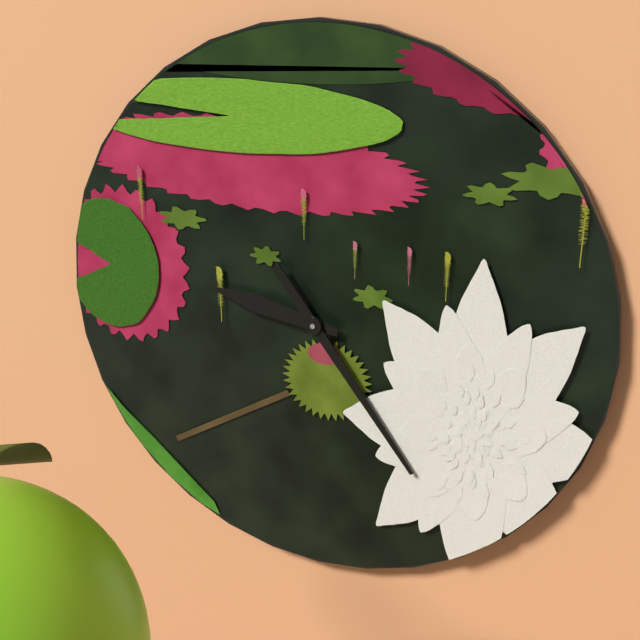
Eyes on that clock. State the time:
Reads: 9:24
